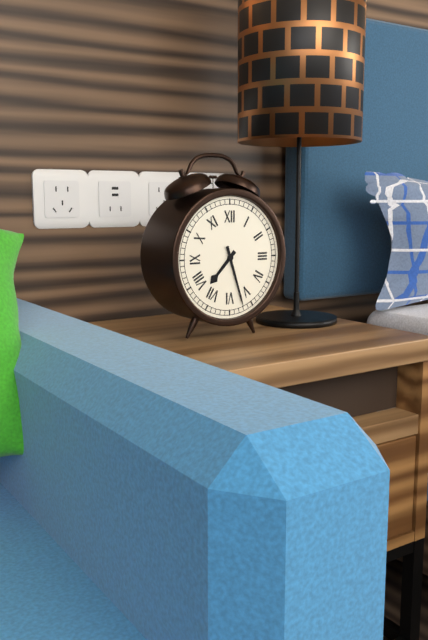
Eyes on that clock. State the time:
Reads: 7:27
